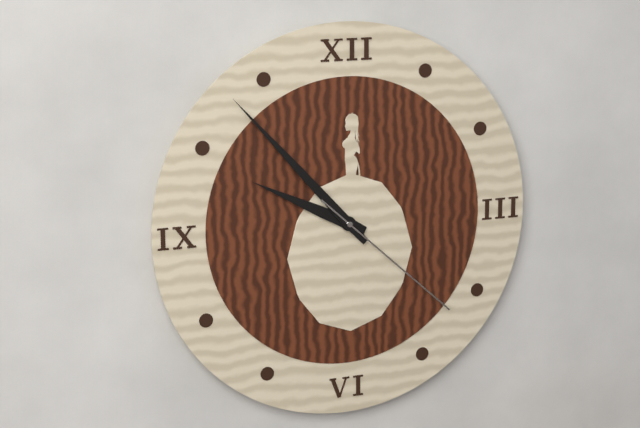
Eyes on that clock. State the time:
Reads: 9:53:22
